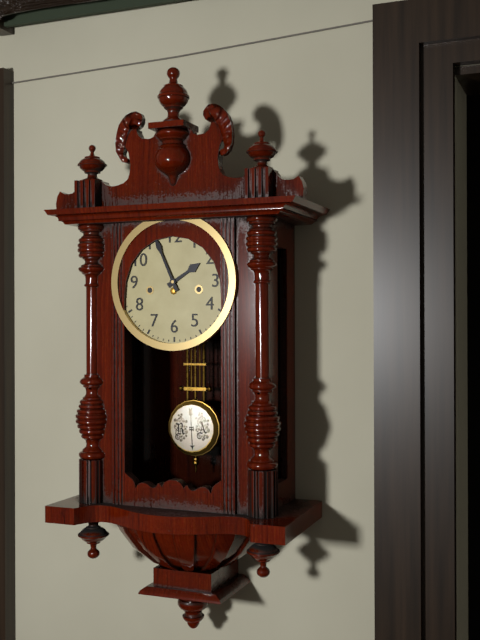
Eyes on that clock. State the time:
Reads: 1:56
